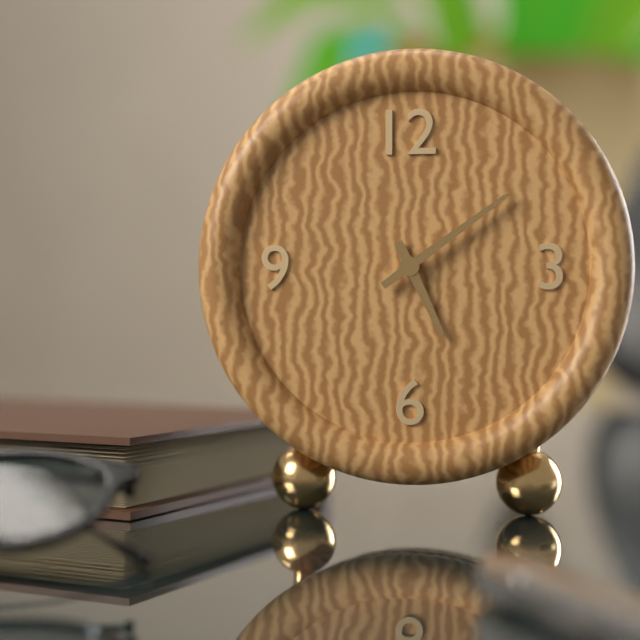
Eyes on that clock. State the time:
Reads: 5:09
